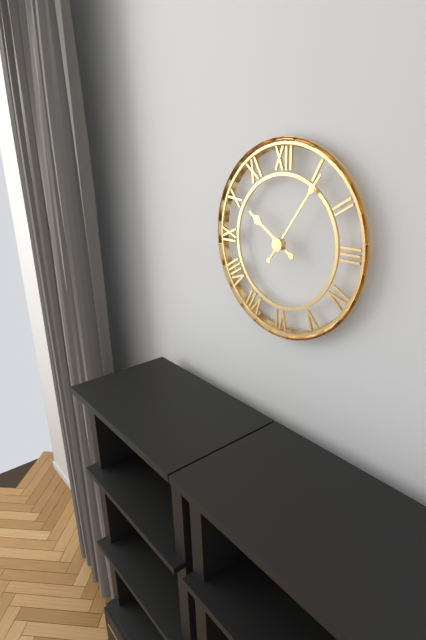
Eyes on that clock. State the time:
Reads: 10:06
